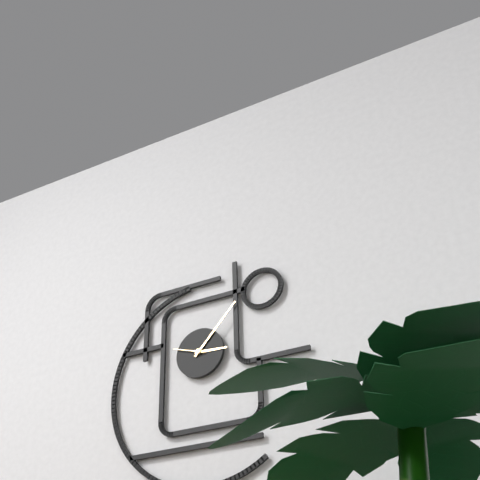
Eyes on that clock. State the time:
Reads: 3:07
